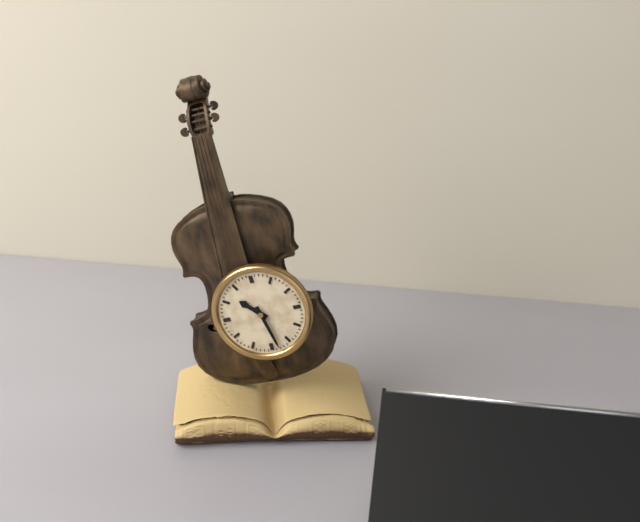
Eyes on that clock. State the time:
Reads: 10:28
